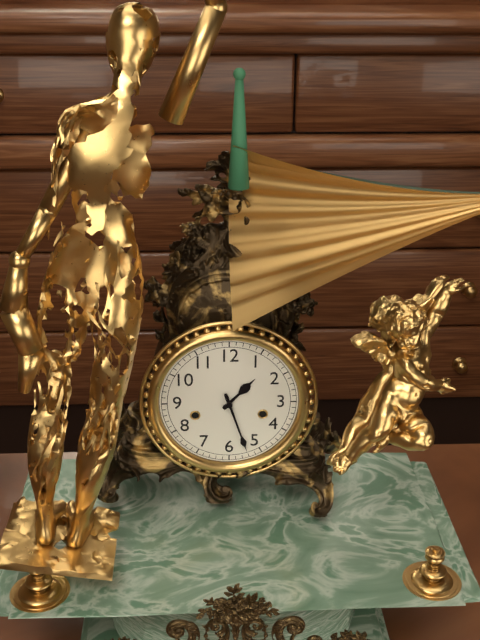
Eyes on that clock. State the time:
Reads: 1:27
